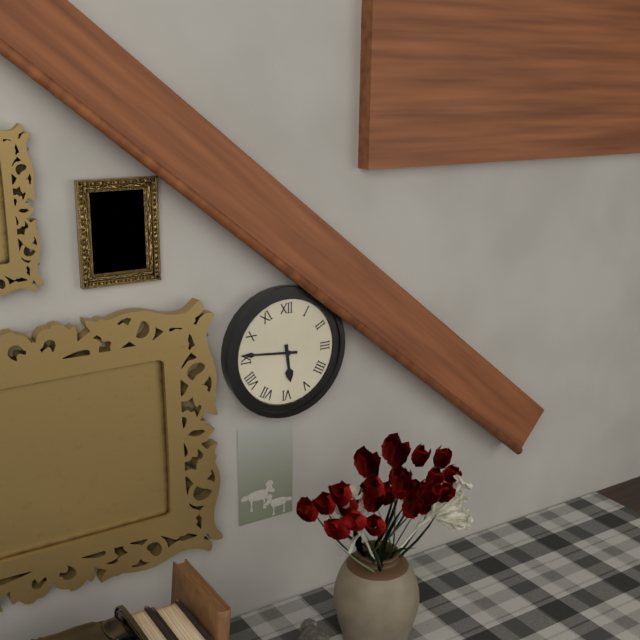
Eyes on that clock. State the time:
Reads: 5:46
